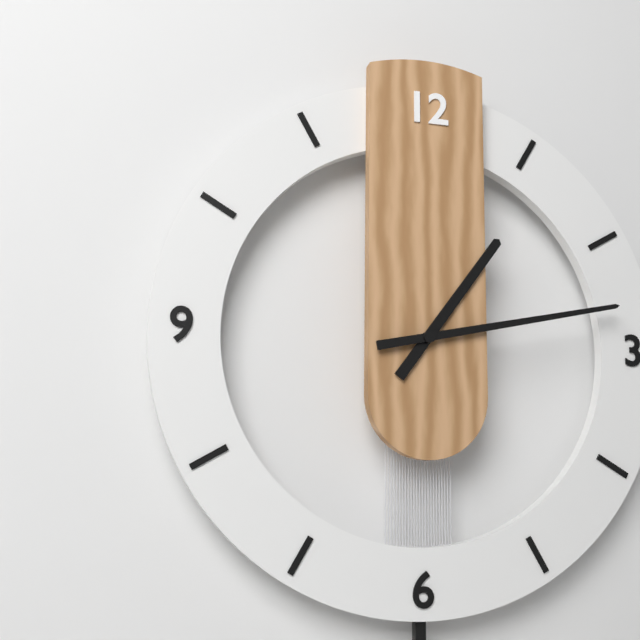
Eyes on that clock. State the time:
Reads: 1:13
